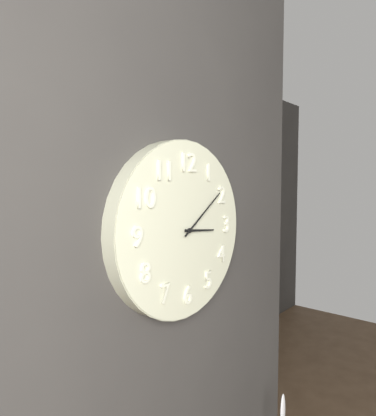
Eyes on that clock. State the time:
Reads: 3:09
